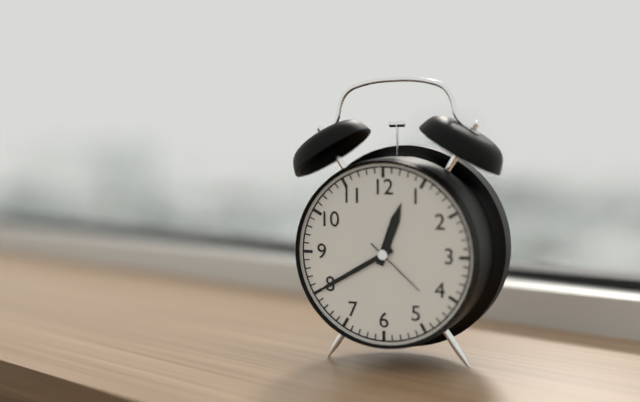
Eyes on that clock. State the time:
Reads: 12:40:22
